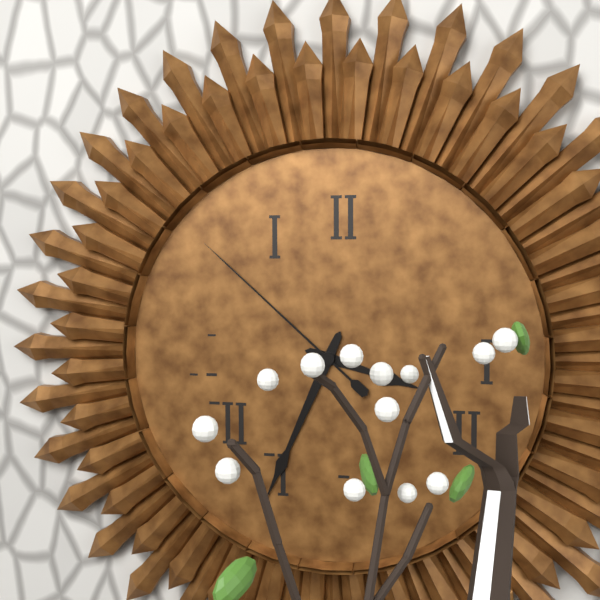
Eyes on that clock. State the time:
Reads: 3:34:52
